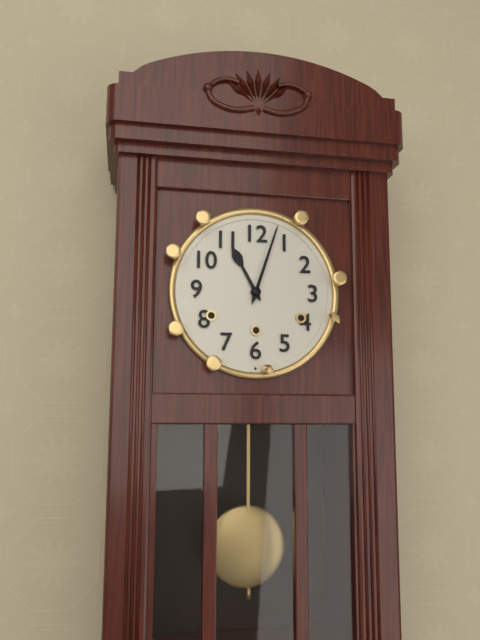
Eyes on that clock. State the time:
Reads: 11:03
